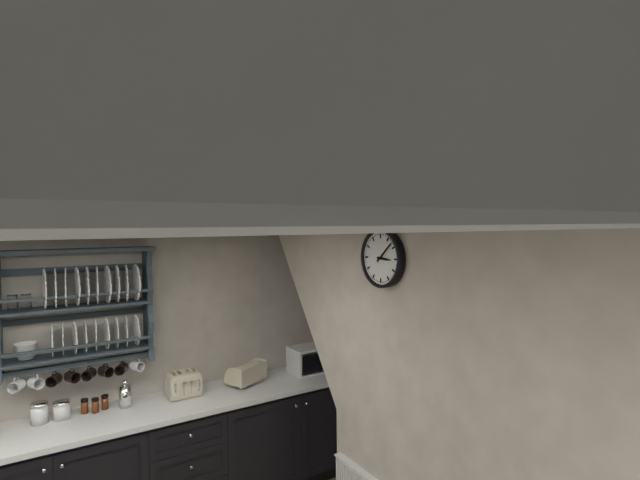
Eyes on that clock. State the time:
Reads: 3:08
